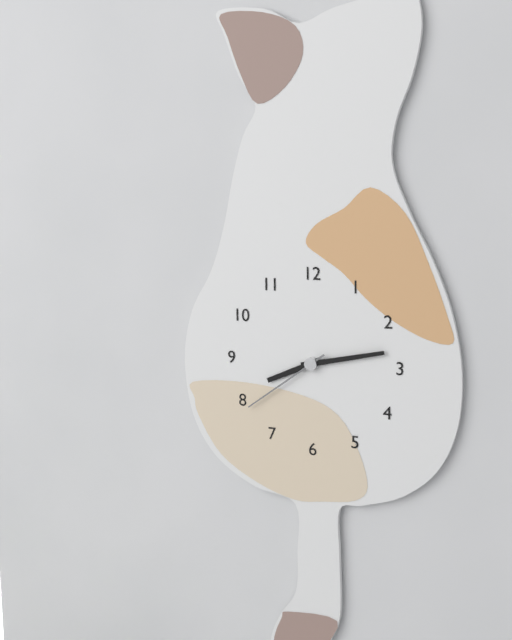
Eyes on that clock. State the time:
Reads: 8:13:39
